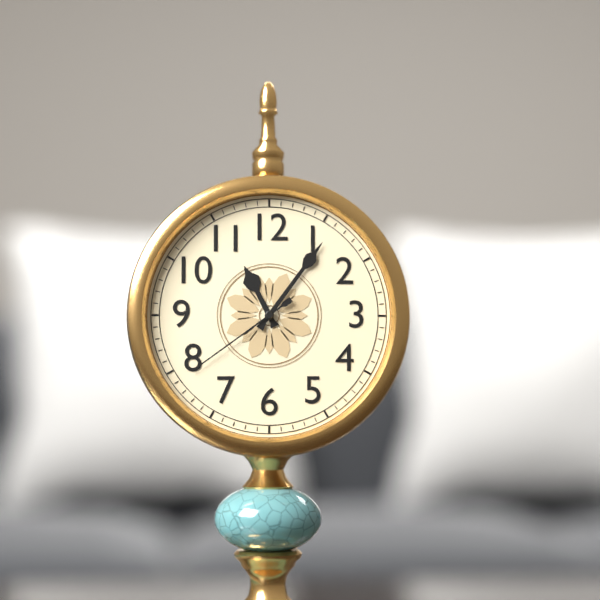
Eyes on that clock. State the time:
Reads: 11:06:39
